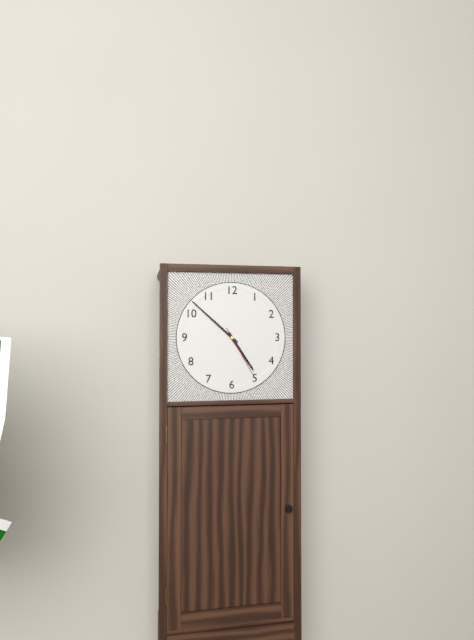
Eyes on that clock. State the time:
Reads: 4:52:25
